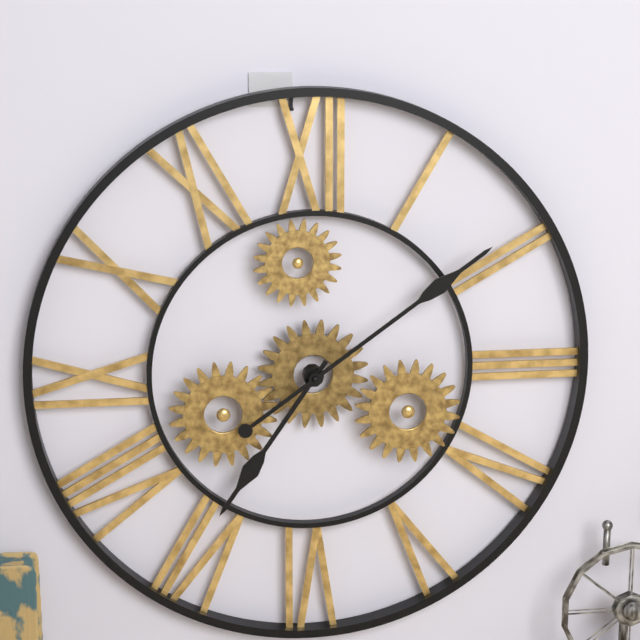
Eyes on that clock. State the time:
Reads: 7:09
